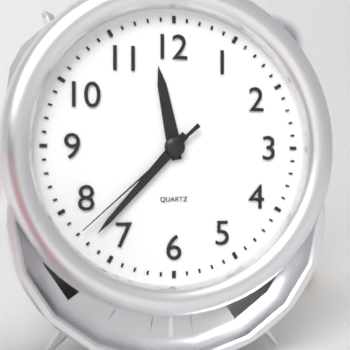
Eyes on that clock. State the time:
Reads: 11:37:38
